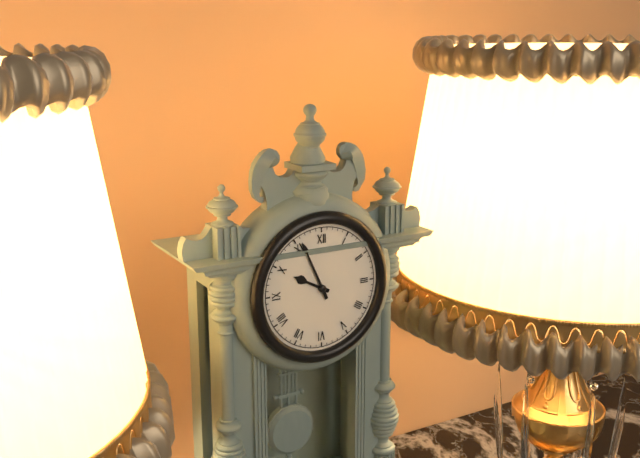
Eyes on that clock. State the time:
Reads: 9:56
